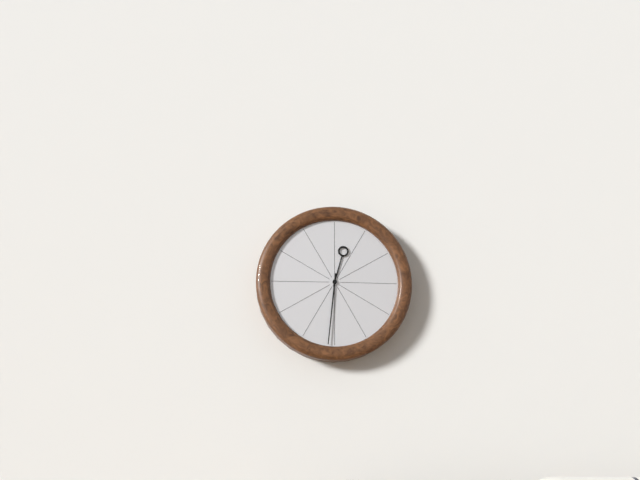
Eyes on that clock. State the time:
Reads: 12:31
